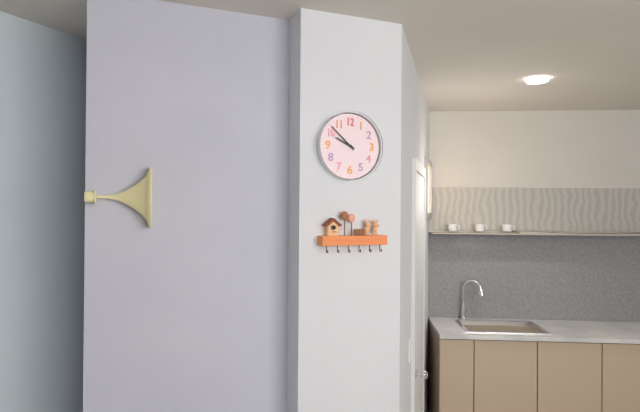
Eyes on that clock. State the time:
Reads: 9:52
